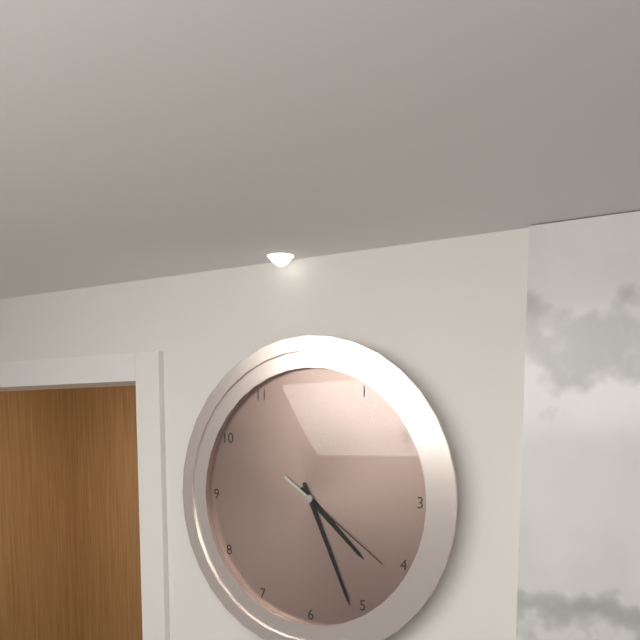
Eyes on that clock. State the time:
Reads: 4:26:21
